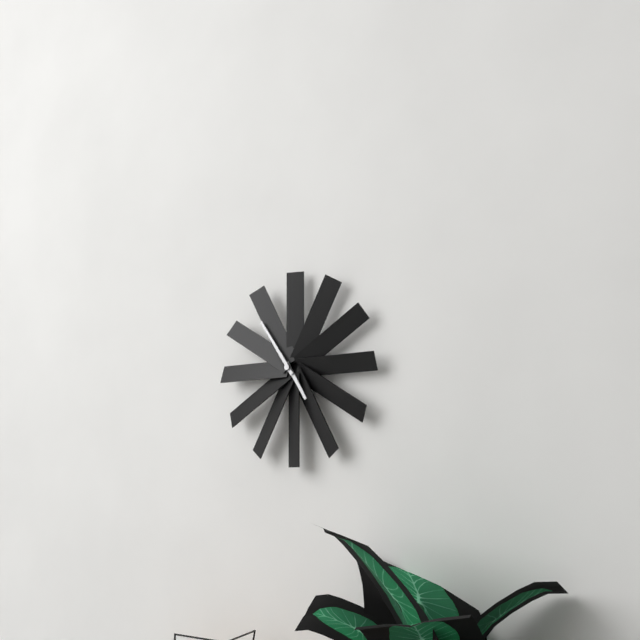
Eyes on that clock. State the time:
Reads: 4:54
